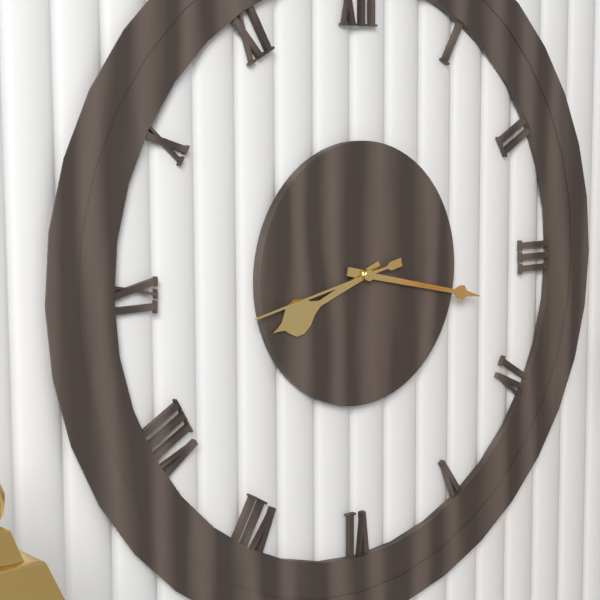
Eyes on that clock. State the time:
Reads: 8:17:43
